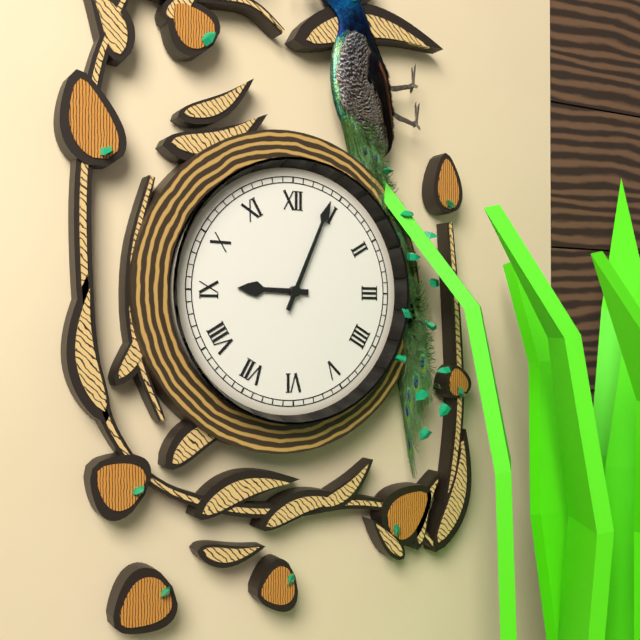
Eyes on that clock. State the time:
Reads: 9:04
